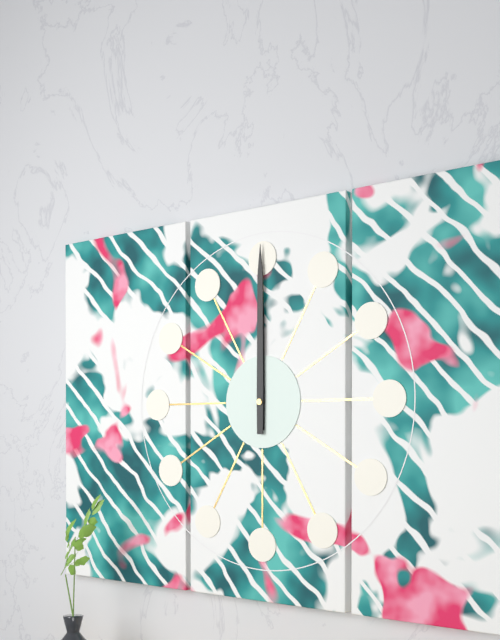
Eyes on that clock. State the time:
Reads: 12:00
